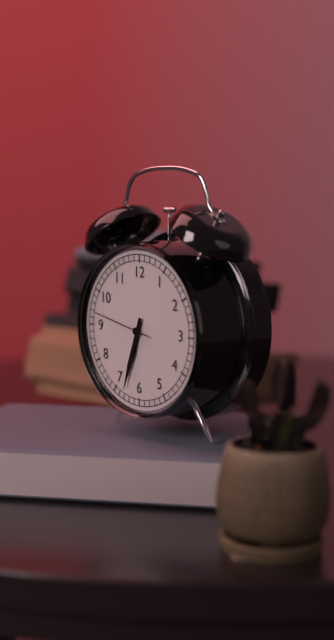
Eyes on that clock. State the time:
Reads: 6:33:47
